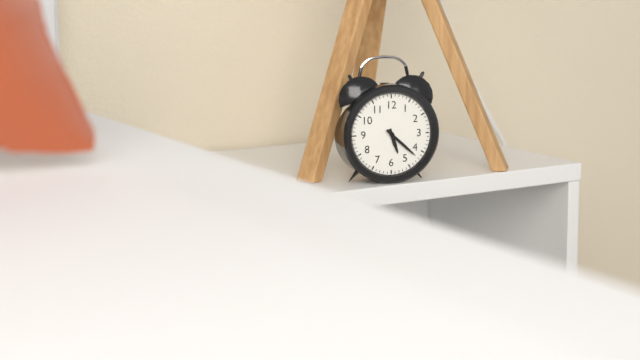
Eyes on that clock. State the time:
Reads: 5:22
